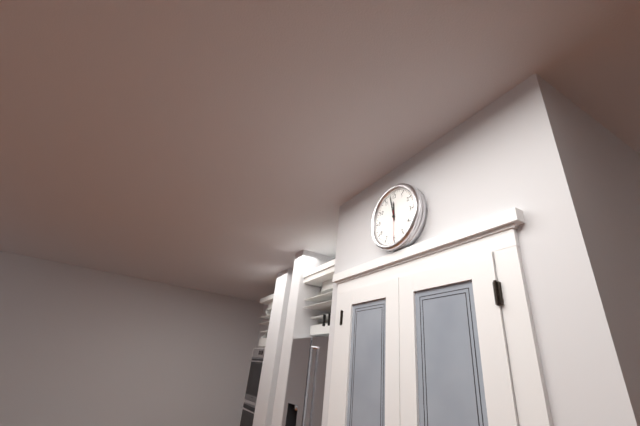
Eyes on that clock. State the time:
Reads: 11:58
